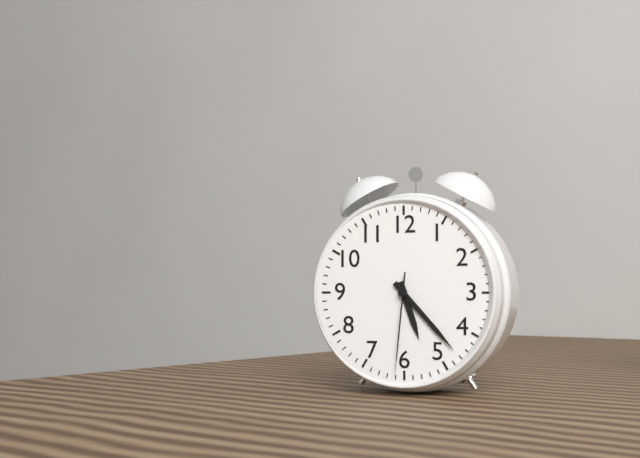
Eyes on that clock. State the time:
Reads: 5:23:31
